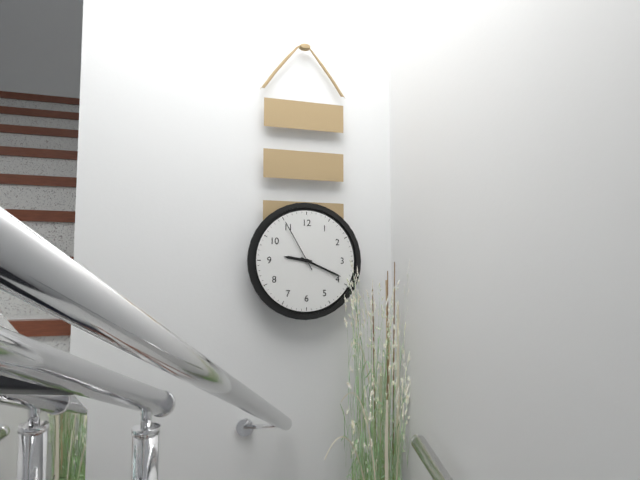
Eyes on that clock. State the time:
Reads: 9:19:55
